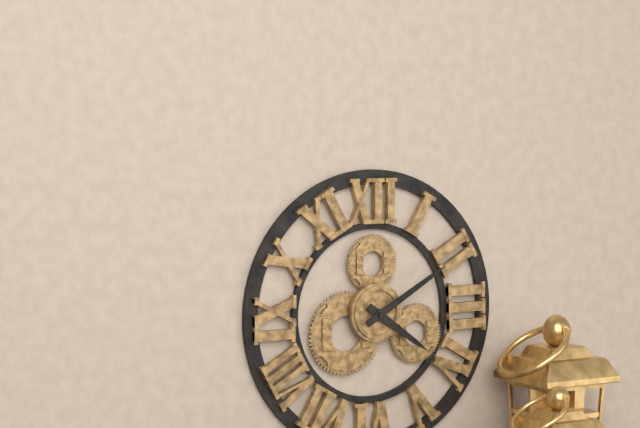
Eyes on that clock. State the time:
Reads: 4:10
